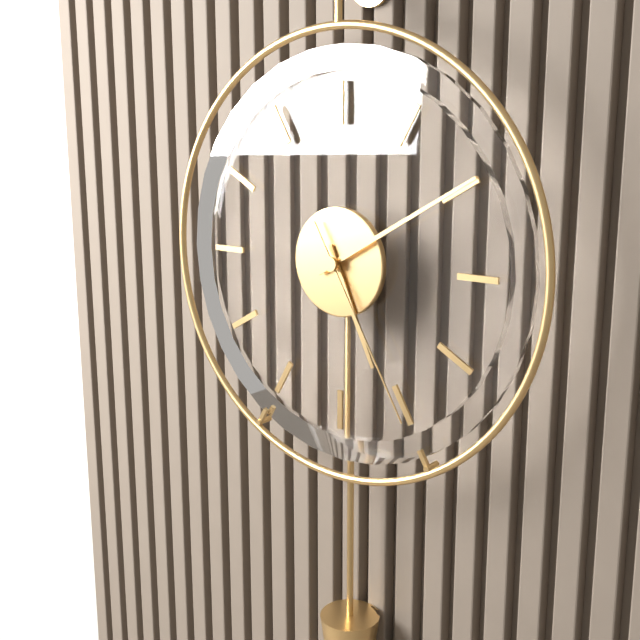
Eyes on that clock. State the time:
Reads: 5:10:25
